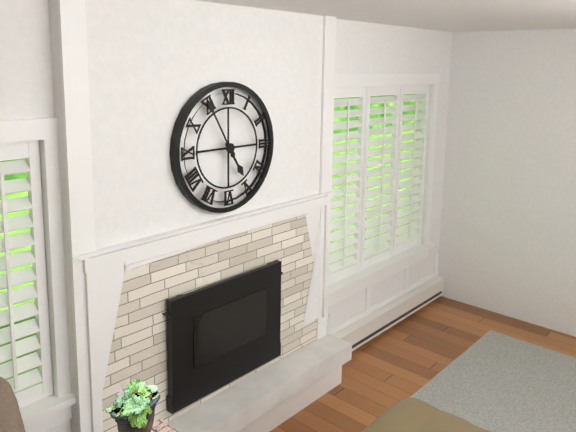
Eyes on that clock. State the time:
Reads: 4:55
